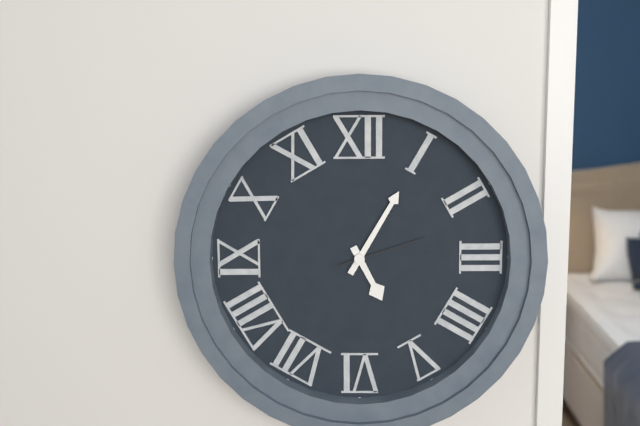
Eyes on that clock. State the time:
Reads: 5:05:12
